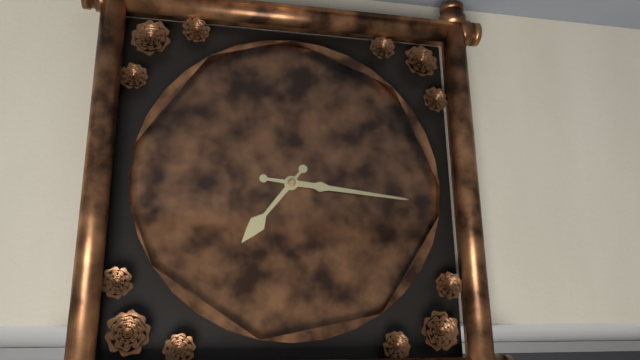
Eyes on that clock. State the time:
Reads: 7:16
